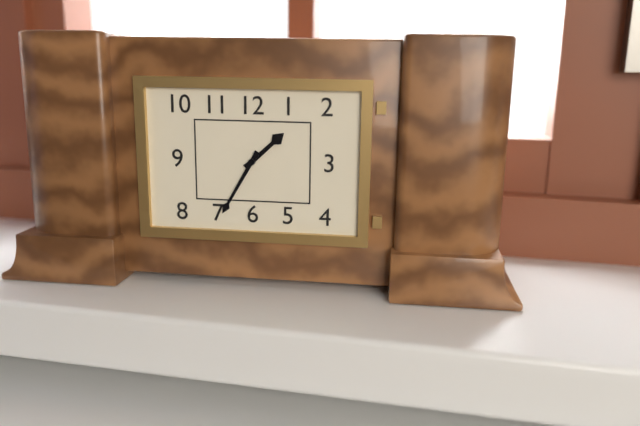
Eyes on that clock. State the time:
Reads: 1:35
